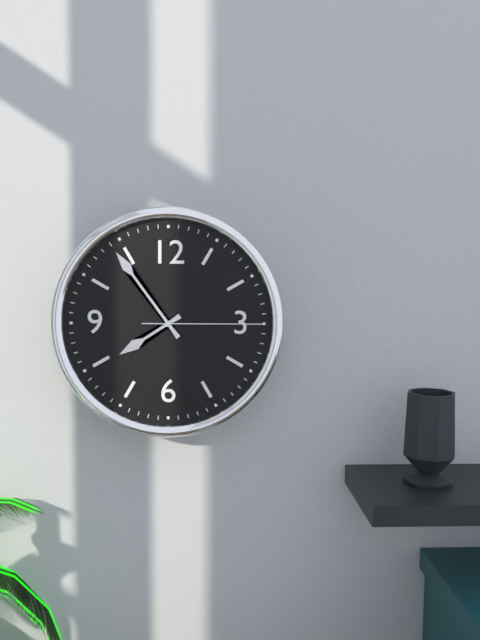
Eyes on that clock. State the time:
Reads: 7:54:15
